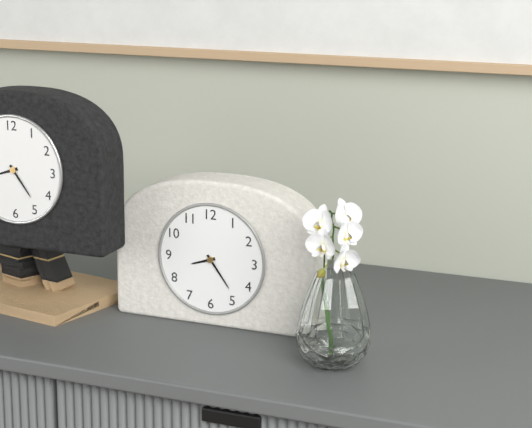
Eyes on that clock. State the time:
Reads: 8:24
